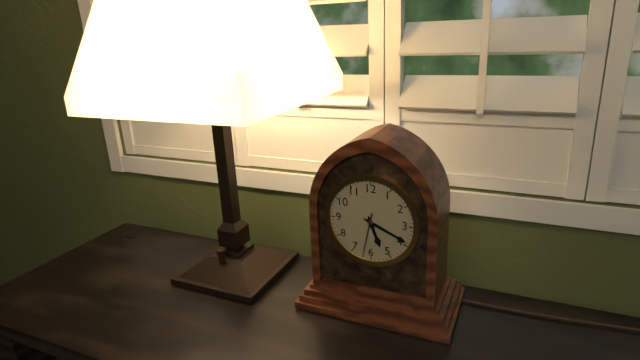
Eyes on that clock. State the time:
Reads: 5:19
